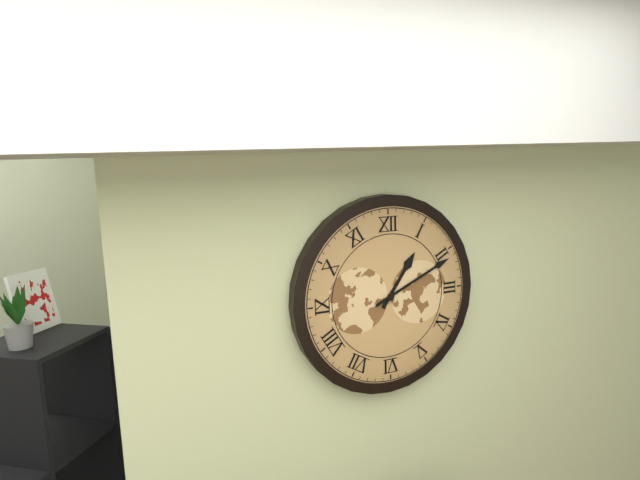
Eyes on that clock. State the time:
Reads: 1:11
